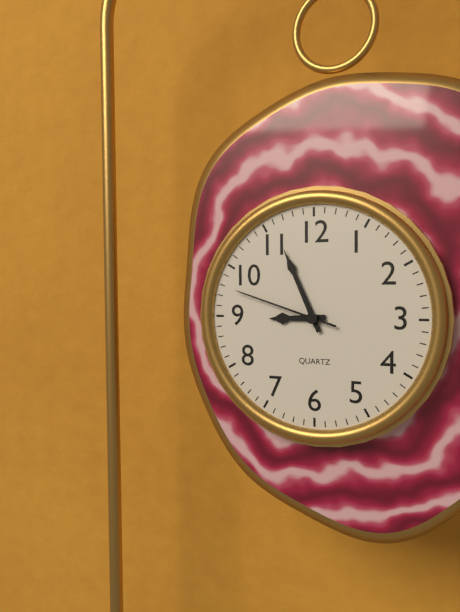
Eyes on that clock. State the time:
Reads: 8:56:48
